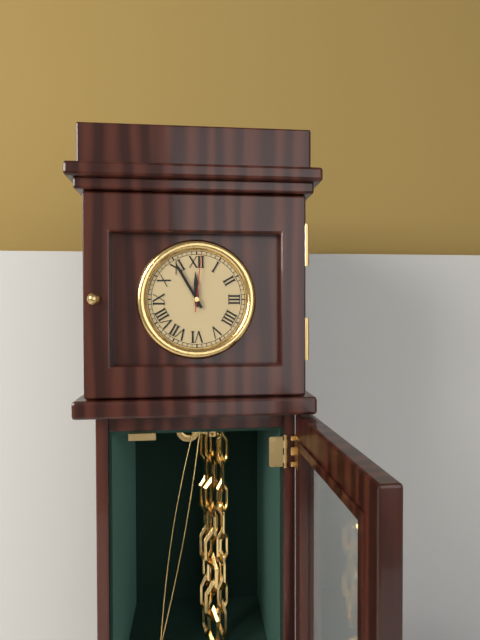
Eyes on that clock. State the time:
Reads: 11:55:01
